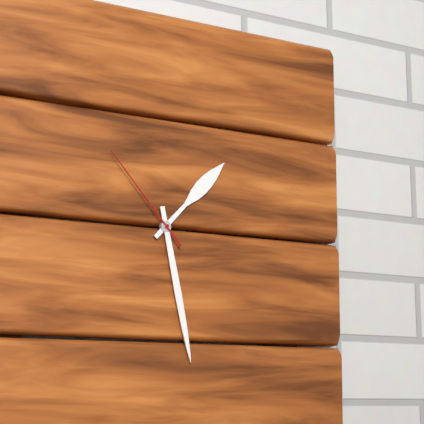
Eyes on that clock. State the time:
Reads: 1:28:53
